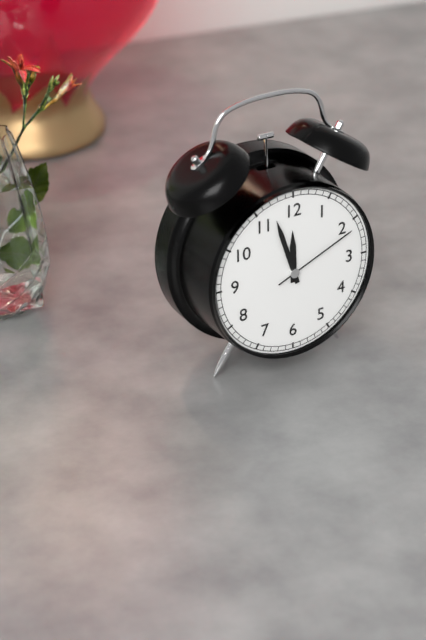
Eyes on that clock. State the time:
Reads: 11:57:11
